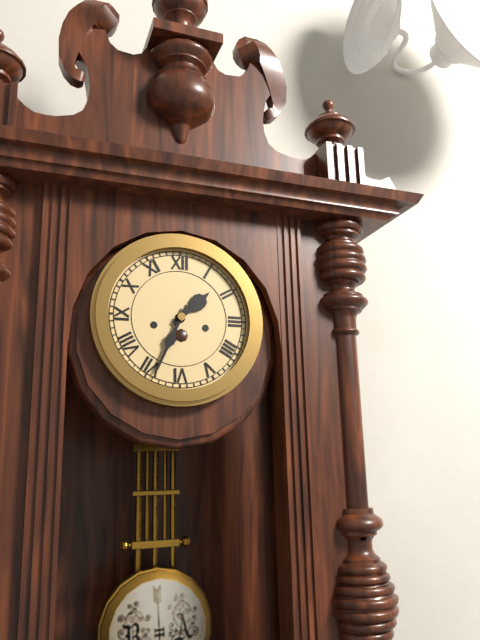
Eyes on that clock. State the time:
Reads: 1:34
